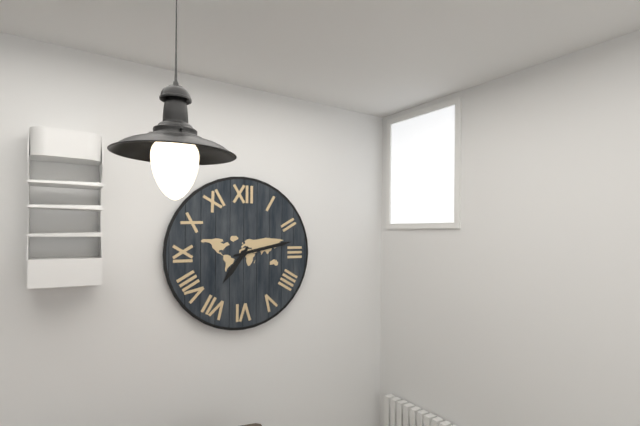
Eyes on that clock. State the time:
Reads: 7:13
